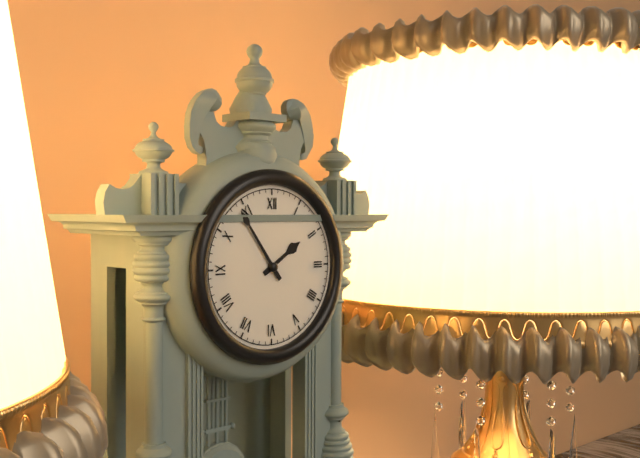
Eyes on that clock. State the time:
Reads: 1:54
